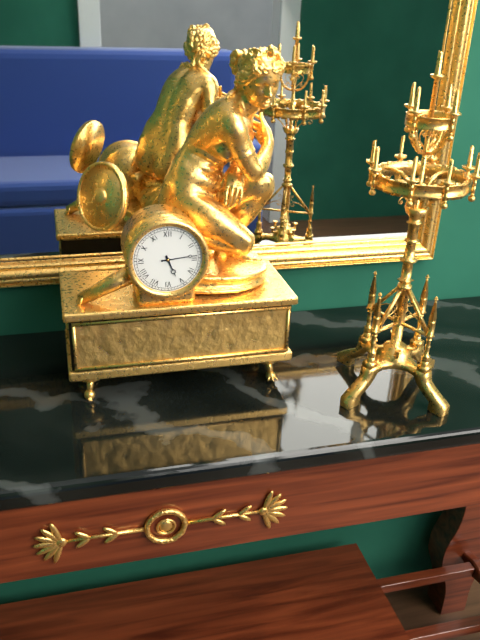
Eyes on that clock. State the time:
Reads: 5:14
